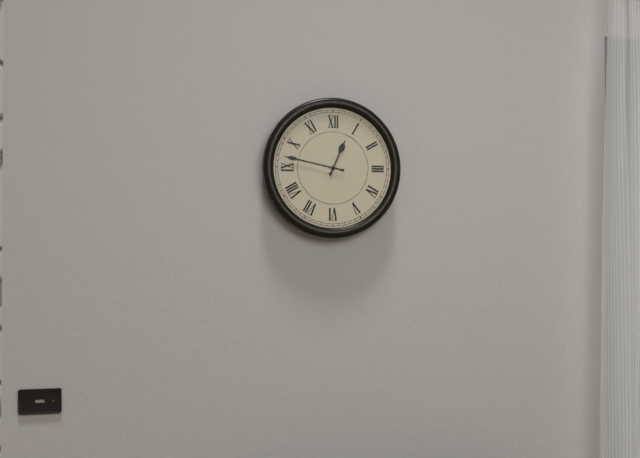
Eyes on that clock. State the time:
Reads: 12:47
